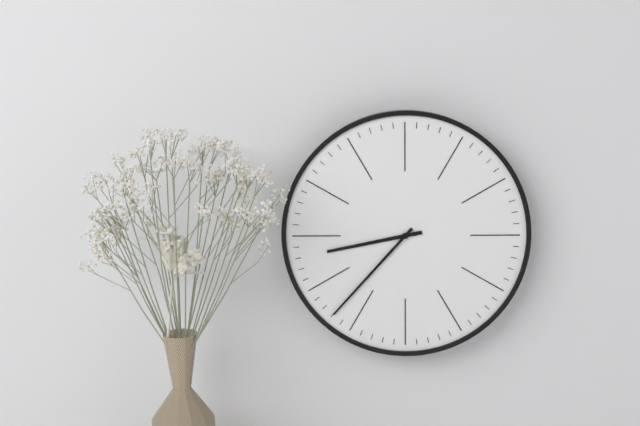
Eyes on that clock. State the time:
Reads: 8:37
